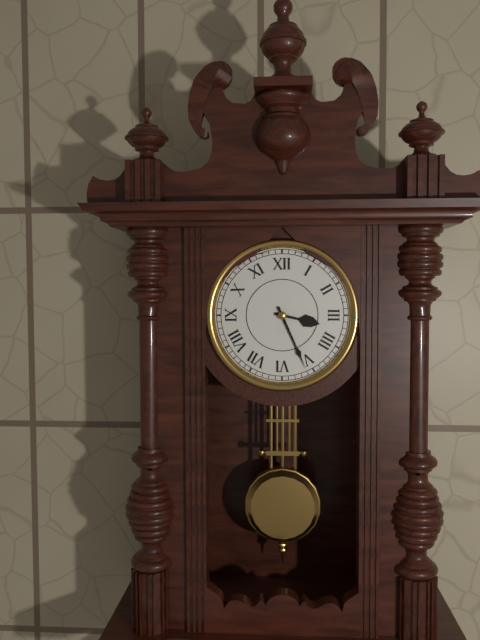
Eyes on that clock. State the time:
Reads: 3:26
